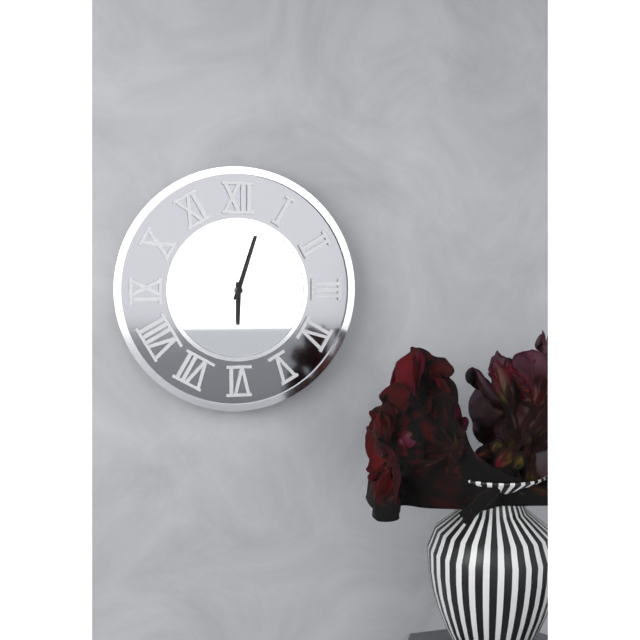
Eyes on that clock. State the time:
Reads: 6:03
